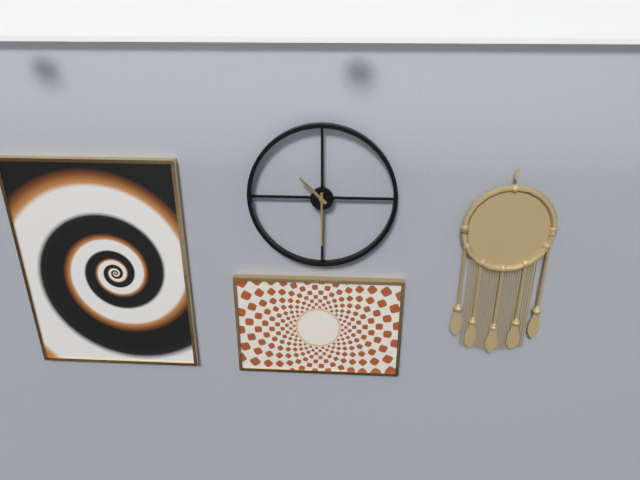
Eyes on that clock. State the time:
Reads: 10:30
